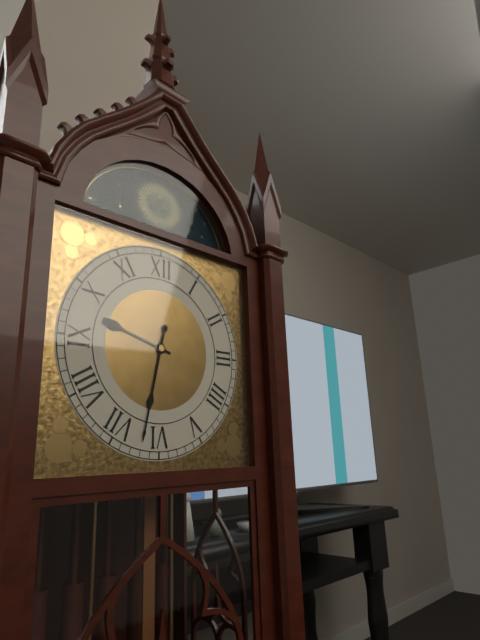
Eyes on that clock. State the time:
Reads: 9:32
